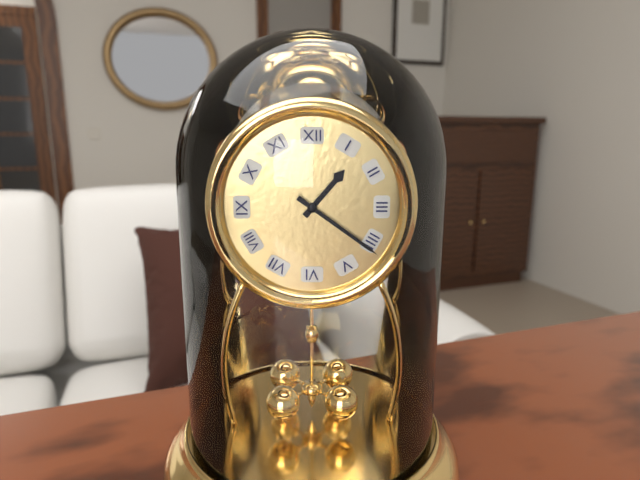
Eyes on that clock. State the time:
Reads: 1:21
